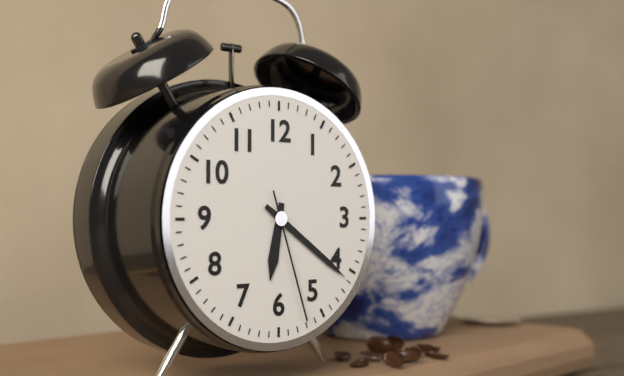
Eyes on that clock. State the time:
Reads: 6:21:27
